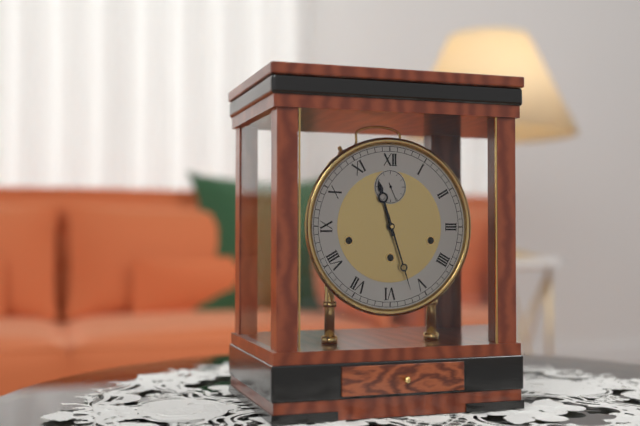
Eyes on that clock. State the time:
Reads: 11:27
